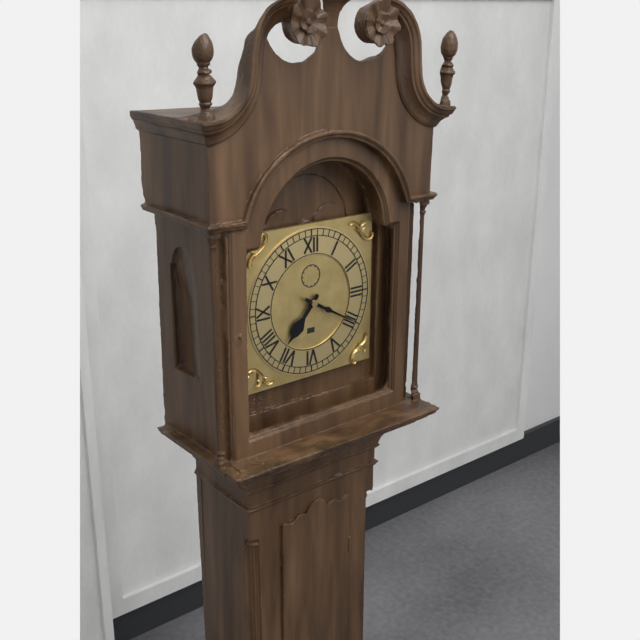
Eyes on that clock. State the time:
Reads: 7:20
